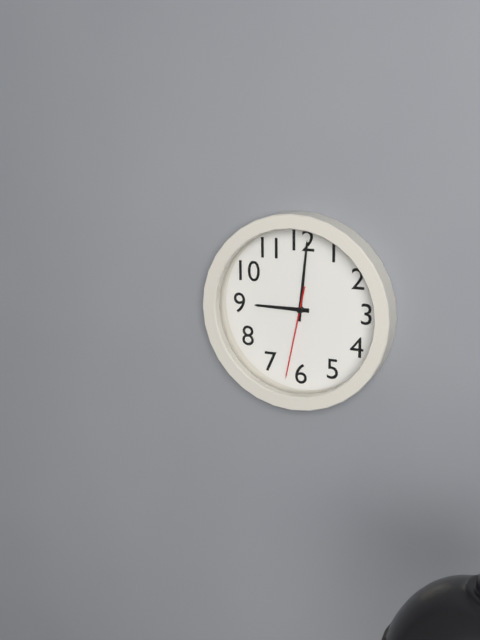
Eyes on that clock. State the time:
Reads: 9:01:32
